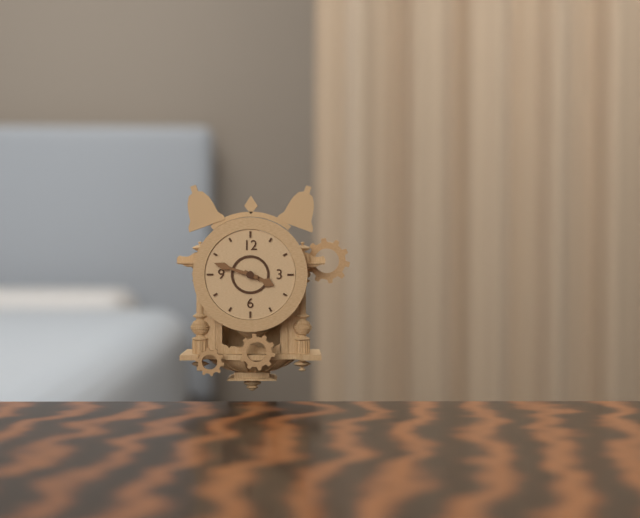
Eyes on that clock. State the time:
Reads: 3:48
